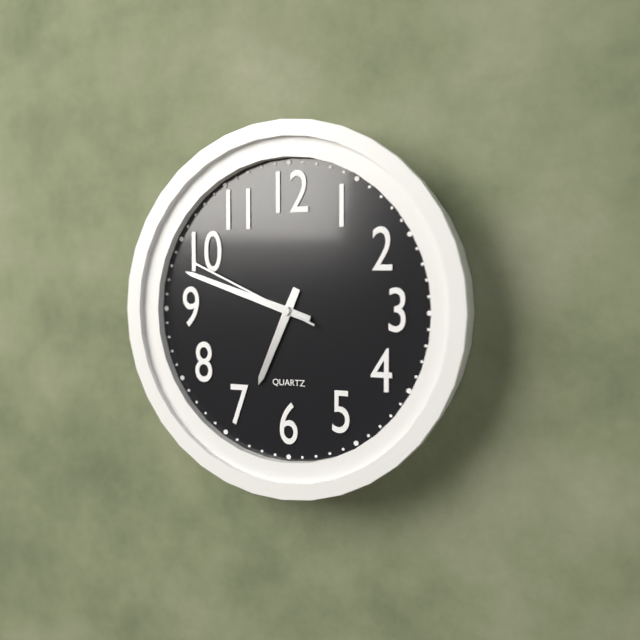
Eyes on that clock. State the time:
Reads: 6:48:49
